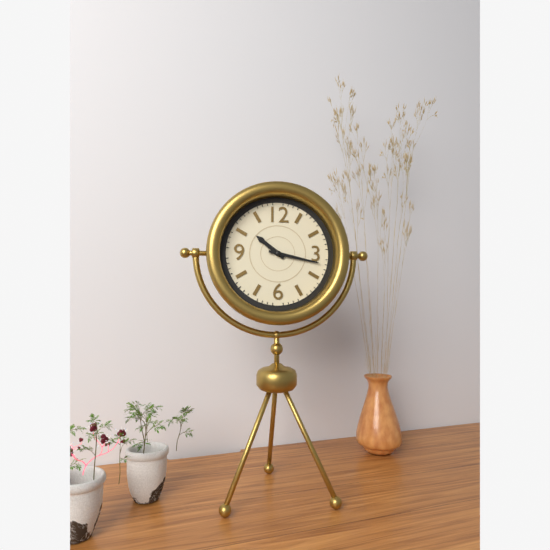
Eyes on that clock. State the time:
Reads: 10:17
